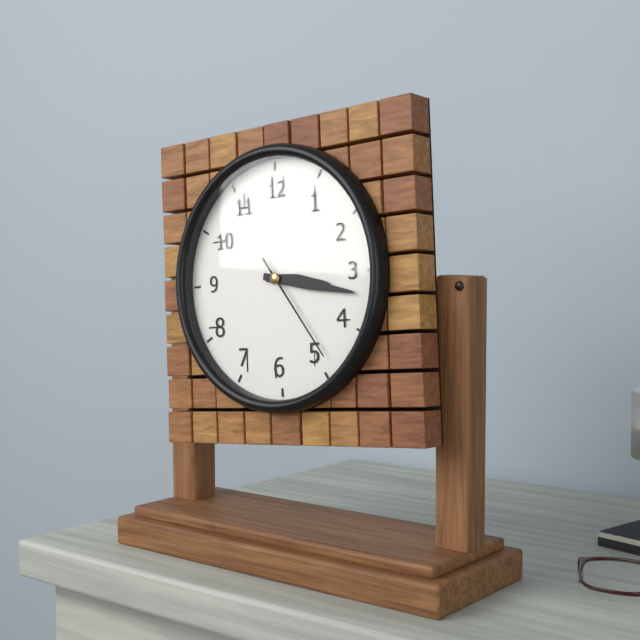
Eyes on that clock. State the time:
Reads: 3:17:24
